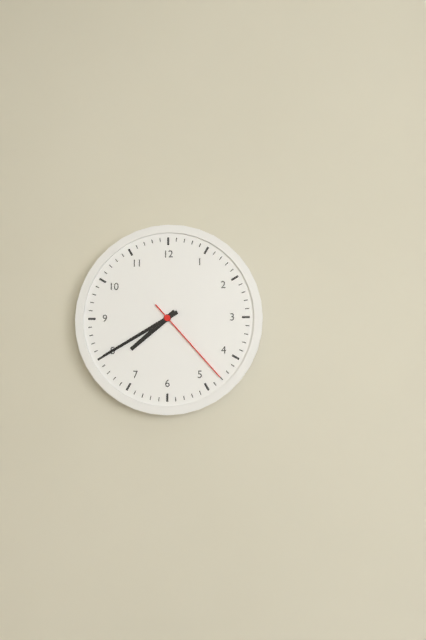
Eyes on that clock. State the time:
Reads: 7:40:23
